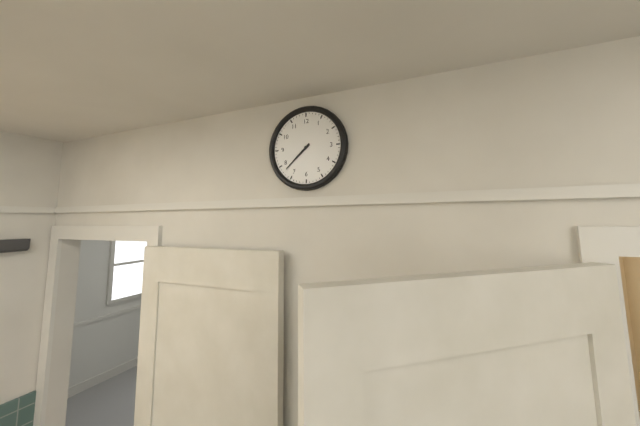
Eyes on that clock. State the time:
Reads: 7:38
